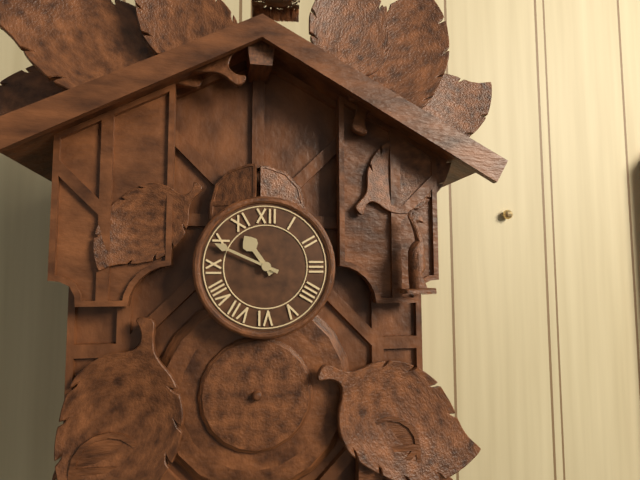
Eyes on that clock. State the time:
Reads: 10:49
